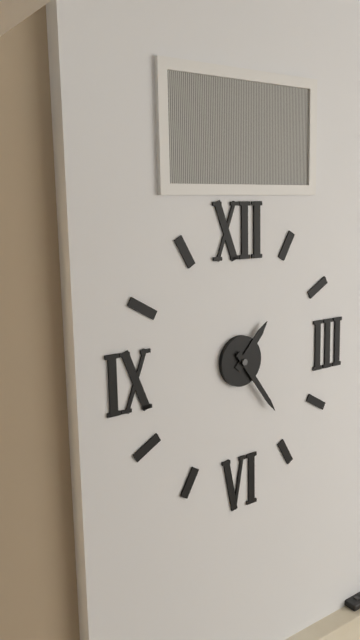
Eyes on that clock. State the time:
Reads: 1:24
